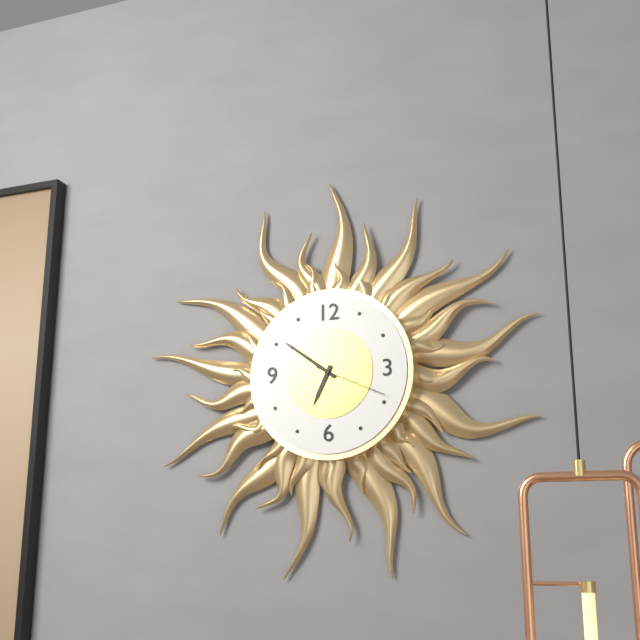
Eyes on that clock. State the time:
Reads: 6:51:19
